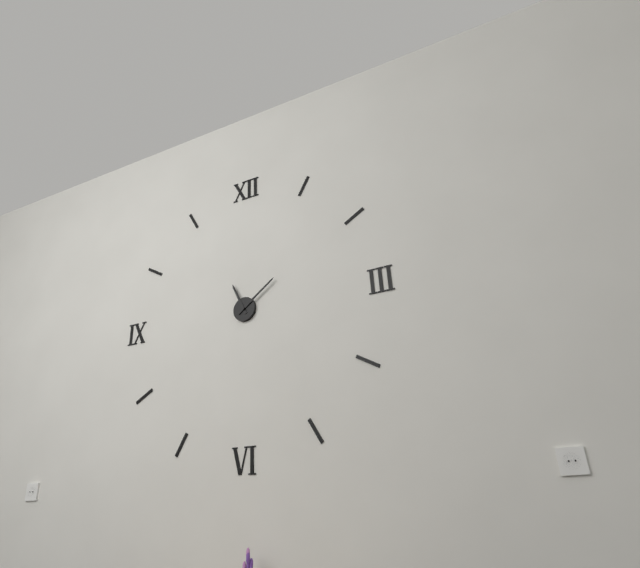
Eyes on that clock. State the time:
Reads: 11:09
